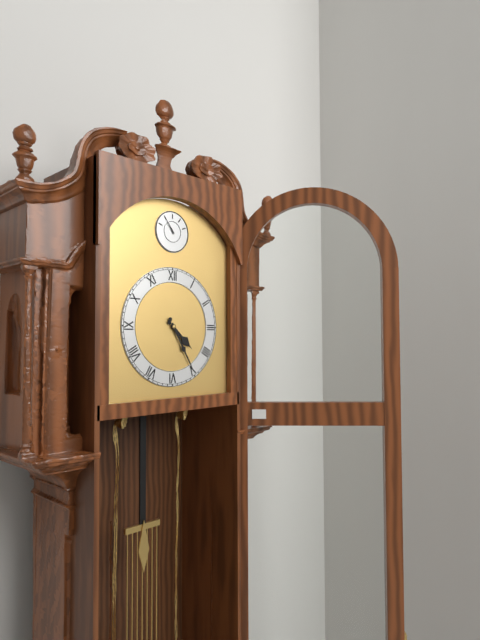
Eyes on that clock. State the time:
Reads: 4:25
